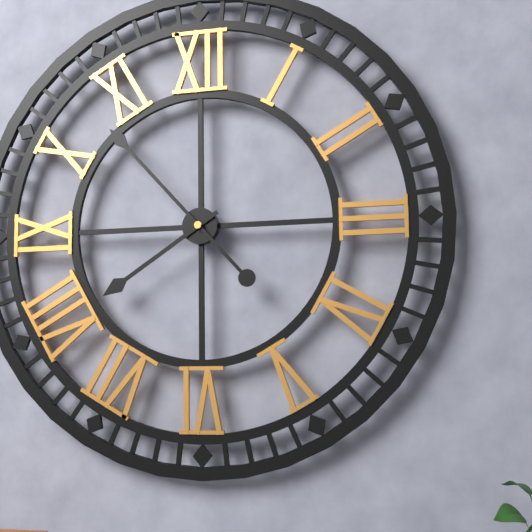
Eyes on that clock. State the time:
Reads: 7:53
